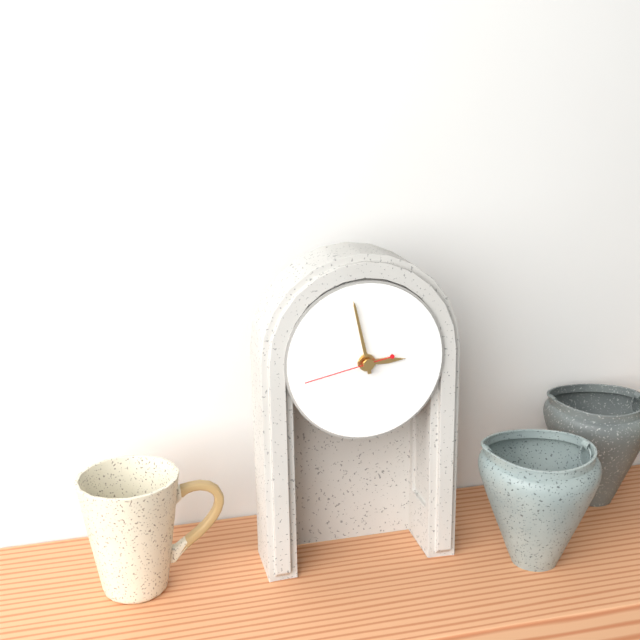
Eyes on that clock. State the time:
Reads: 2:58:43
